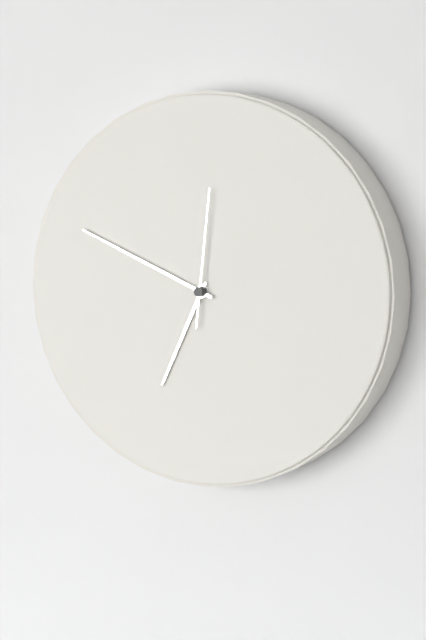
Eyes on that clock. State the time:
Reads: 6:49:01
